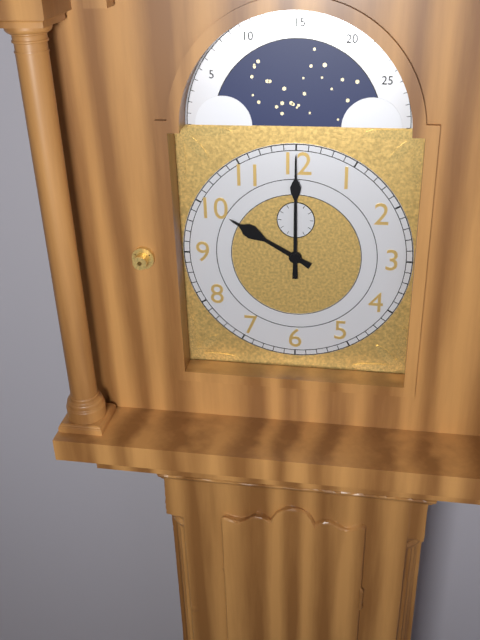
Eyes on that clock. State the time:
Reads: 10:00
